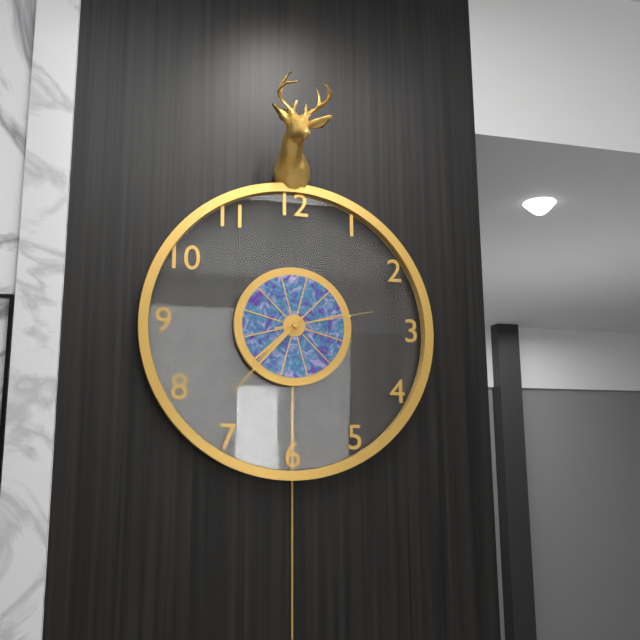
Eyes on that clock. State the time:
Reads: 7:37:13
